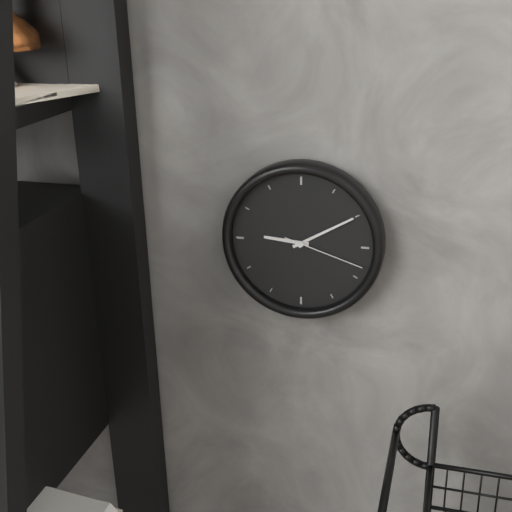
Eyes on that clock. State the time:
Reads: 9:10:18
